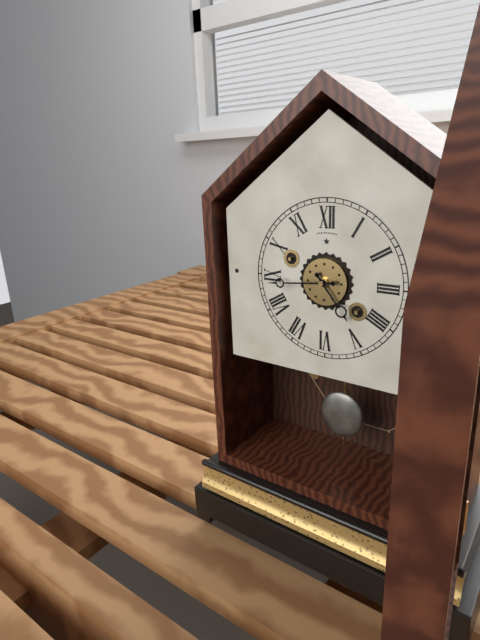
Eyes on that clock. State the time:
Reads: 4:44
